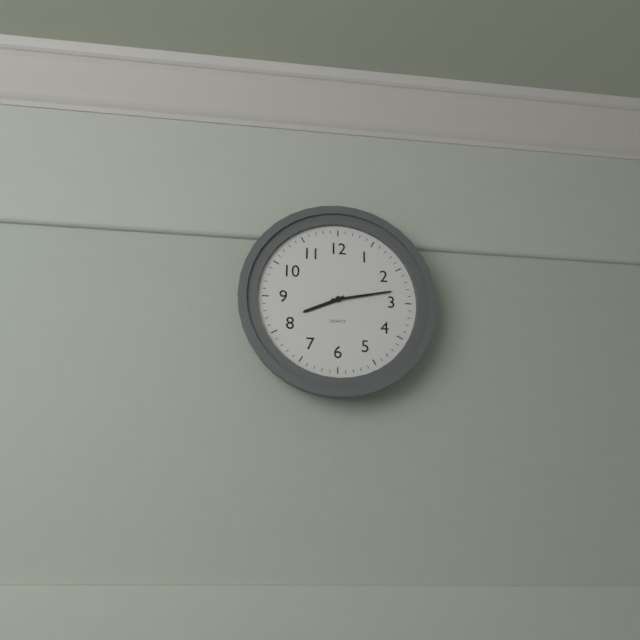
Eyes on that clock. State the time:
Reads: 8:13
